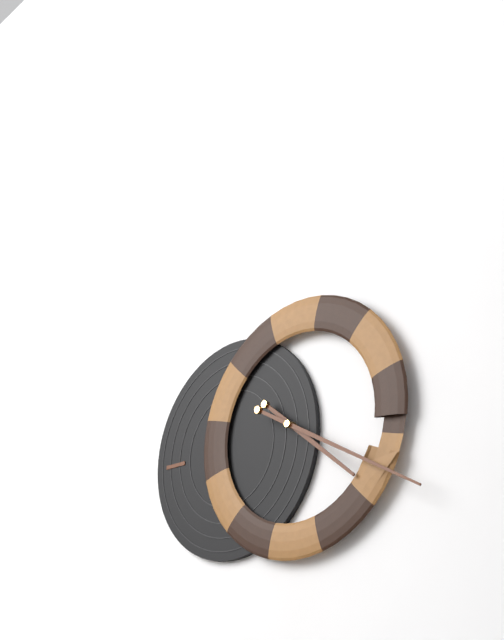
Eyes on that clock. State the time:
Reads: 4:20
